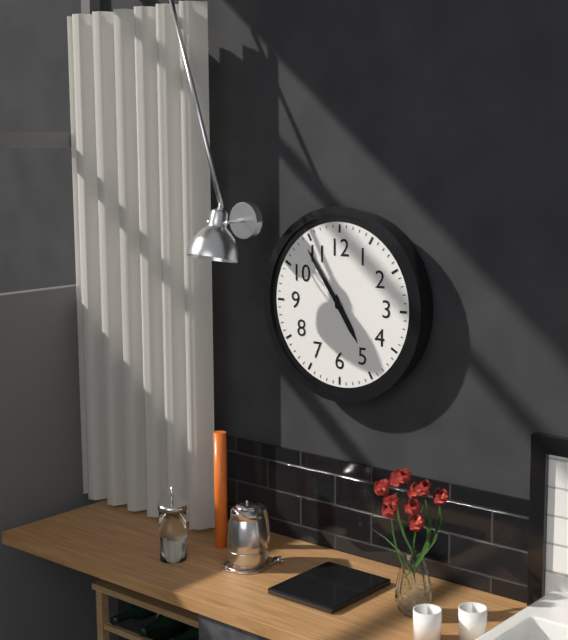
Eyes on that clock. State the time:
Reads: 4:54
